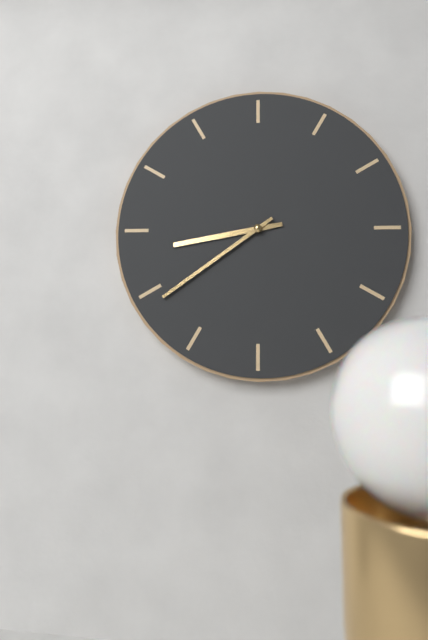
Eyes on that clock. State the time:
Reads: 8:39
